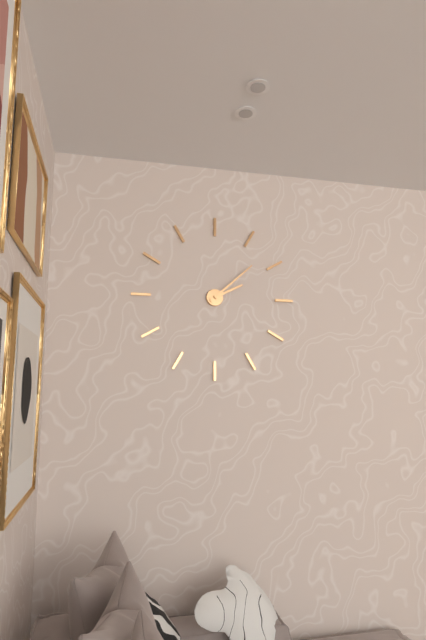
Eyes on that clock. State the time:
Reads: 2:08
